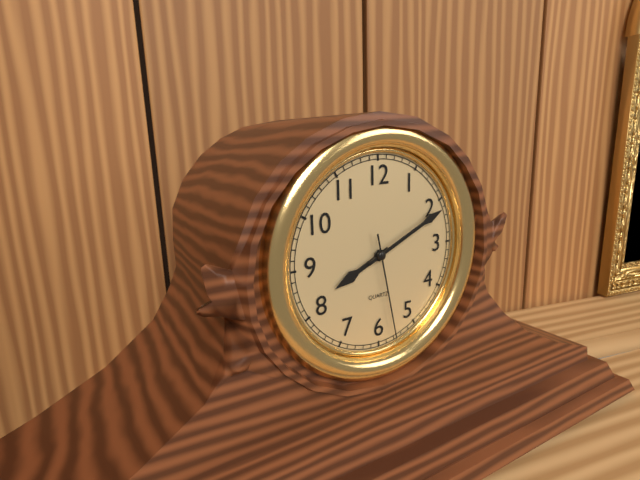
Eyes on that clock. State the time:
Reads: 8:11:28
